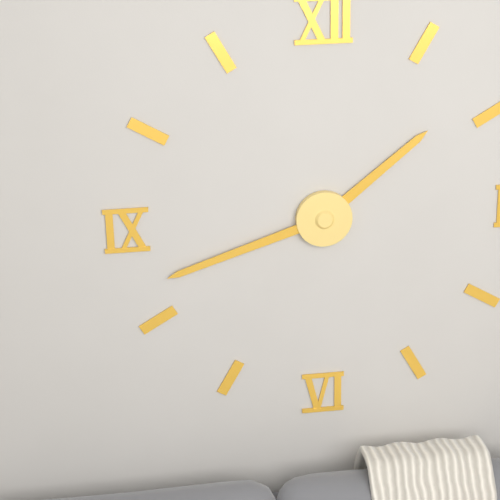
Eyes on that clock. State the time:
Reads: 1:42
